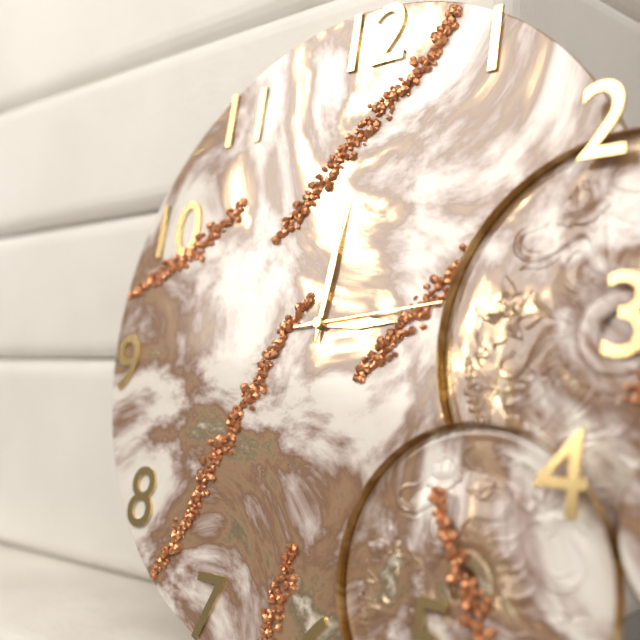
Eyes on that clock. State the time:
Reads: 3:01:14
